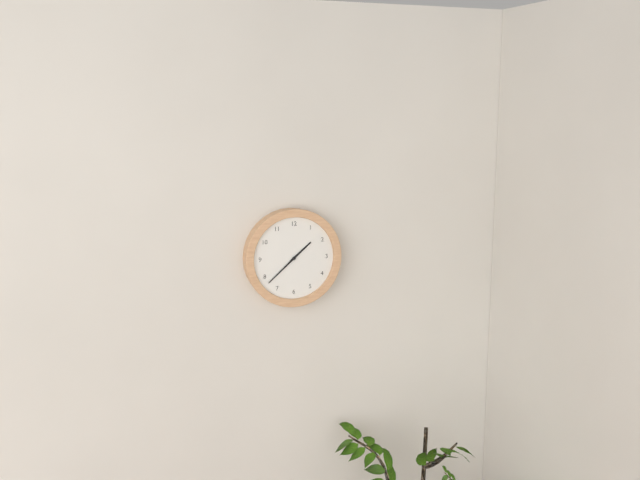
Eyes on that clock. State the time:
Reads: 1:38
